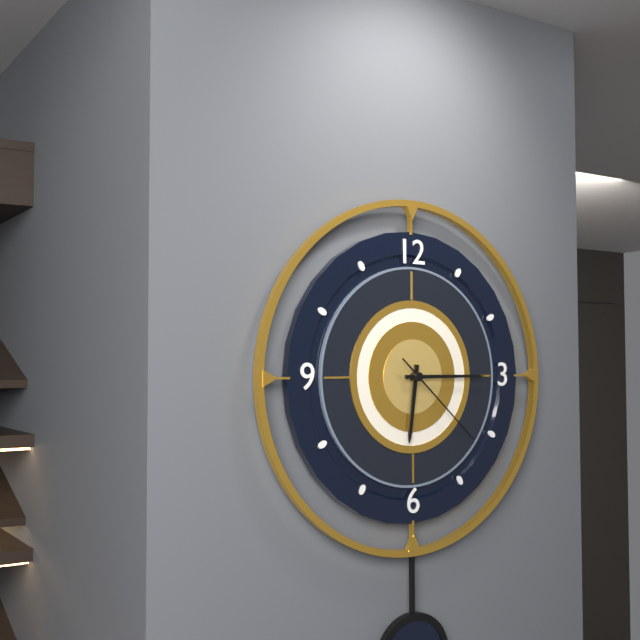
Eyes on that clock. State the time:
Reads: 6:15:22
